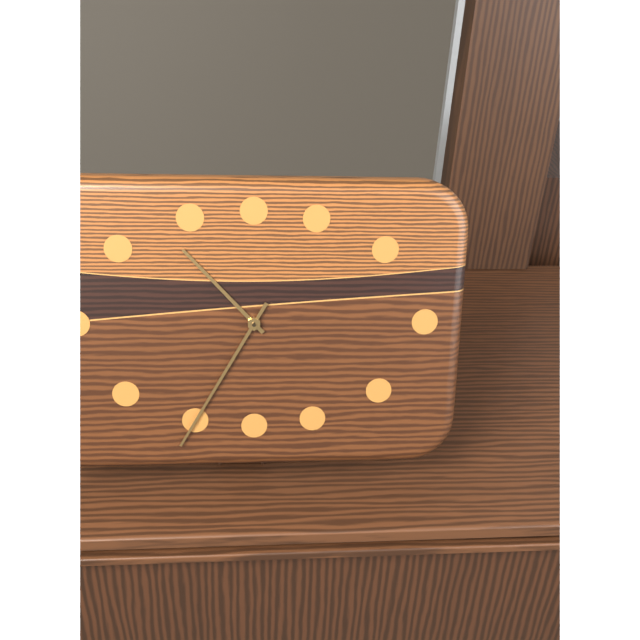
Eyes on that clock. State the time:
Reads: 10:35
